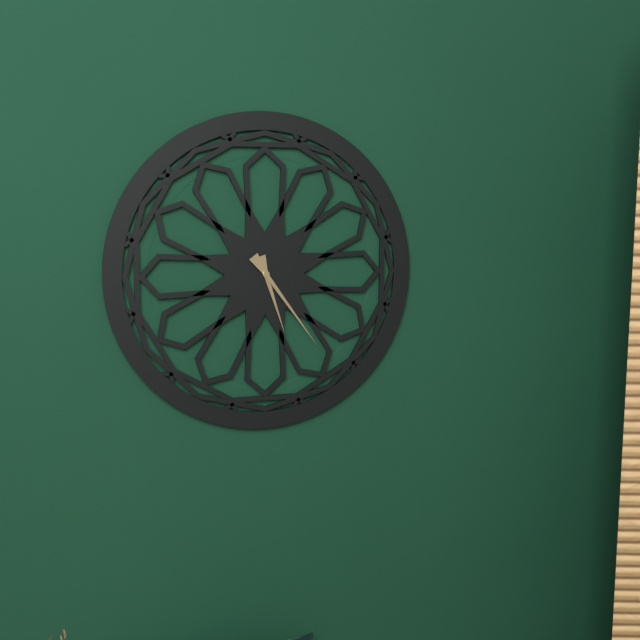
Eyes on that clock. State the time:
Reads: 5:24
